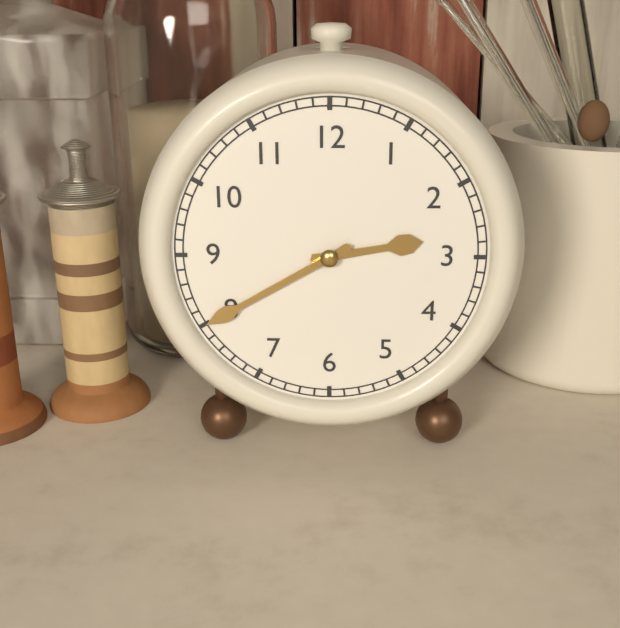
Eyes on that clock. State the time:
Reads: 2:40
